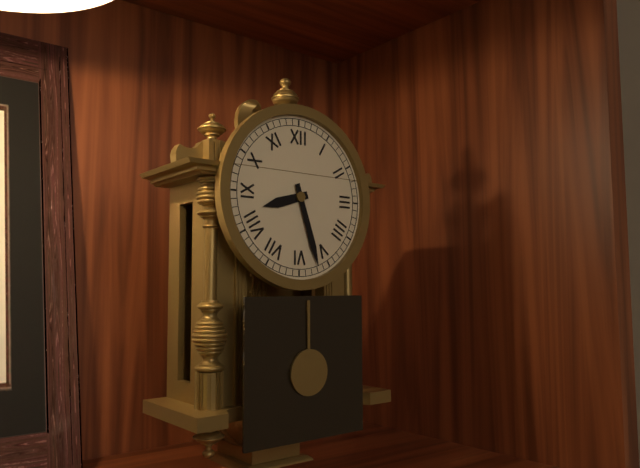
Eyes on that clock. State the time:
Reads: 8:27
